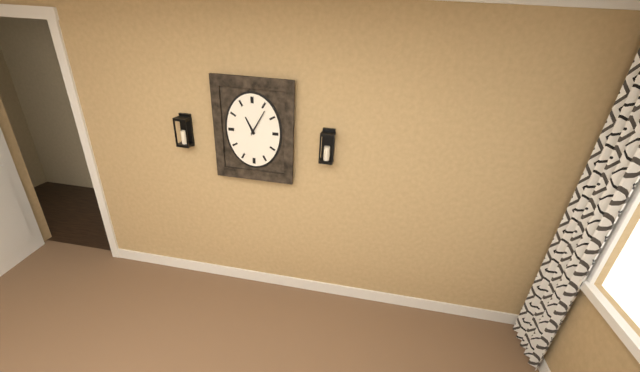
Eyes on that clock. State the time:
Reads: 11:05
